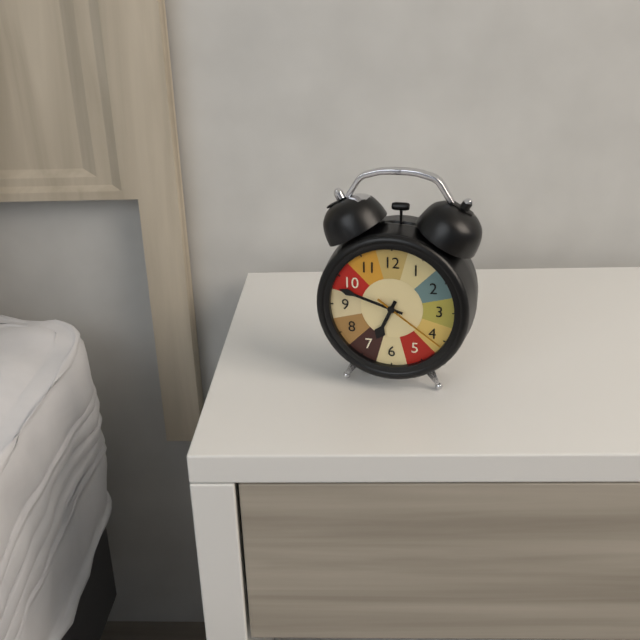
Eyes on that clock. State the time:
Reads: 6:48:21
